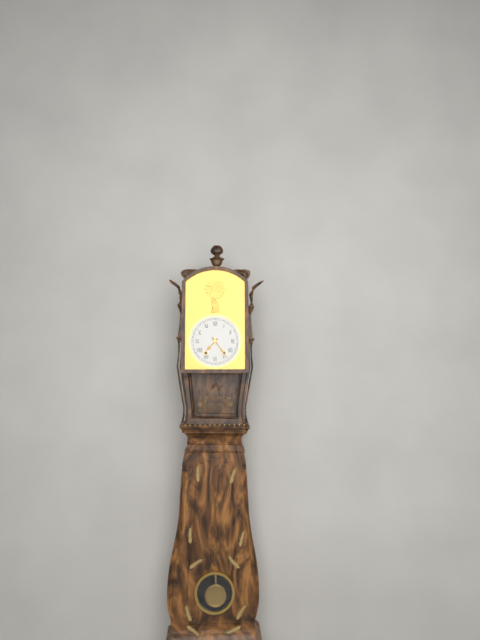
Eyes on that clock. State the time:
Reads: 7:24
